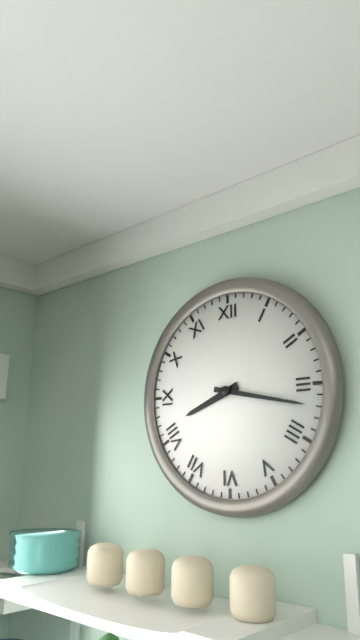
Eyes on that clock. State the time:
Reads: 8:17
